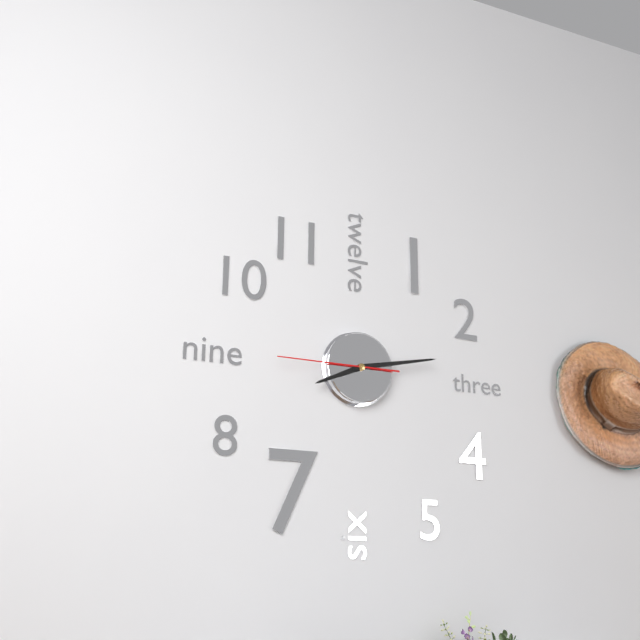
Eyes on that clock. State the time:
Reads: 8:13:45
